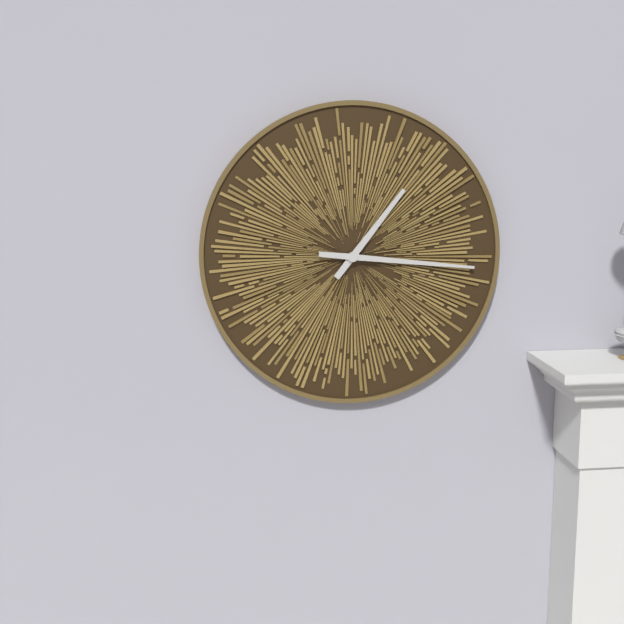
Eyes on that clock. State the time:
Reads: 1:16
